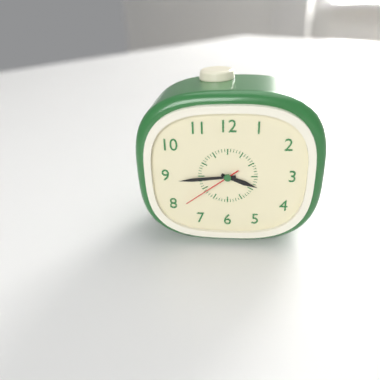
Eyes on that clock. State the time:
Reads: 3:44:39
